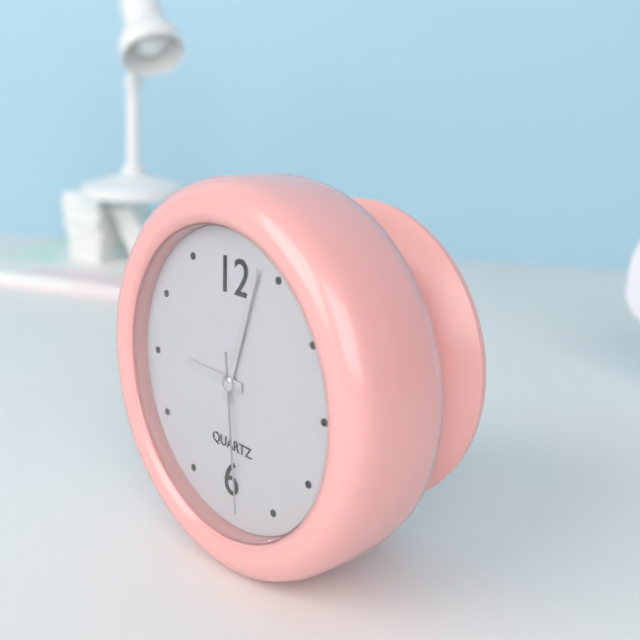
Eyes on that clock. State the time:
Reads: 9:03:29
